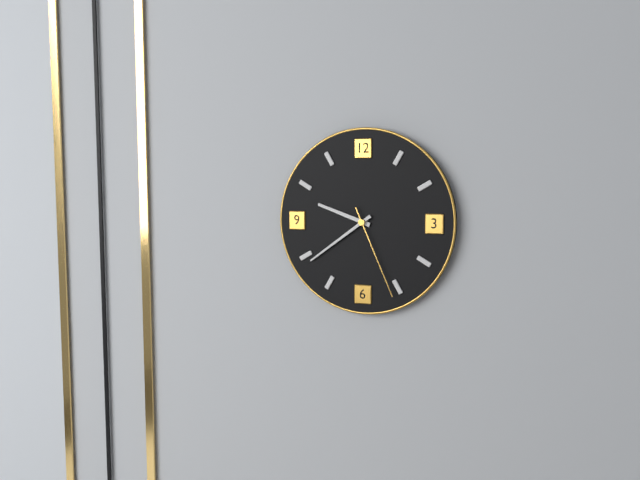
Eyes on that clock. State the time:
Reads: 9:39:26
